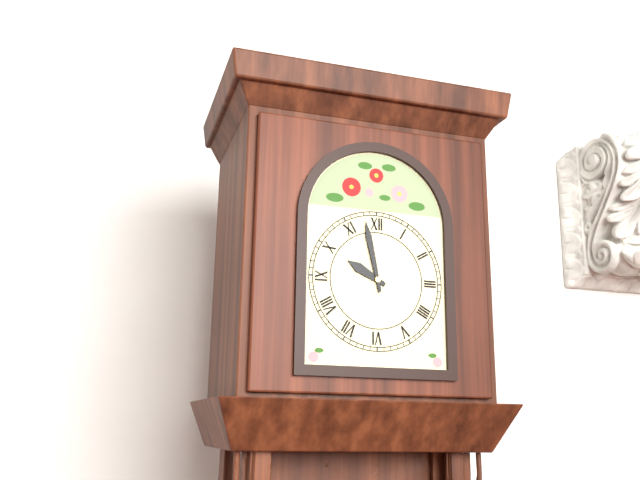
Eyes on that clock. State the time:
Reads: 9:58
